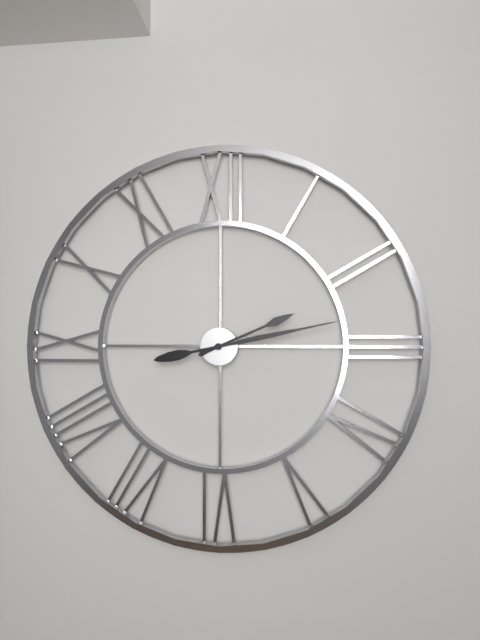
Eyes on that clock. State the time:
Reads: 2:13
